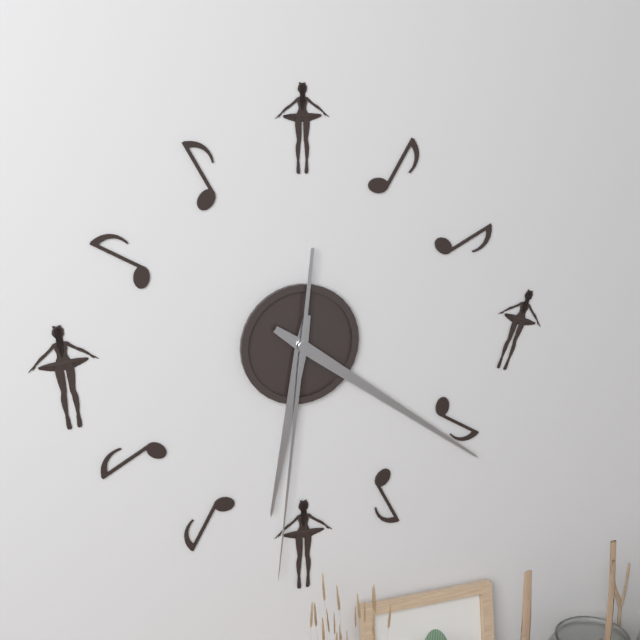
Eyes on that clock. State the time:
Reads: 6:21:31
